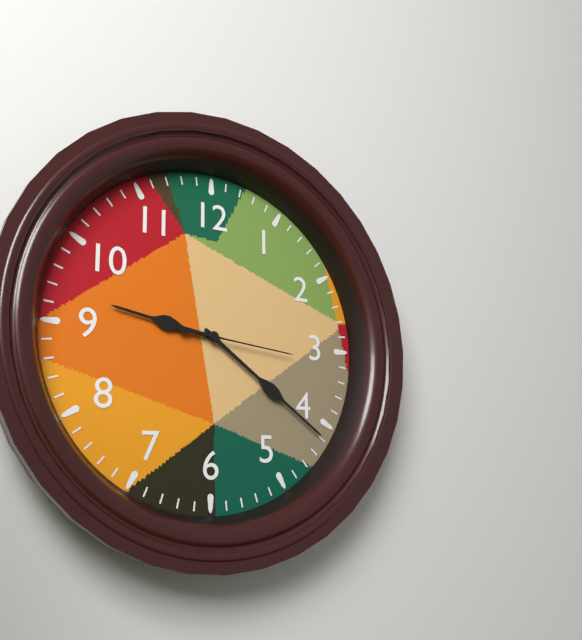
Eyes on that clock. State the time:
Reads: 9:21:16
